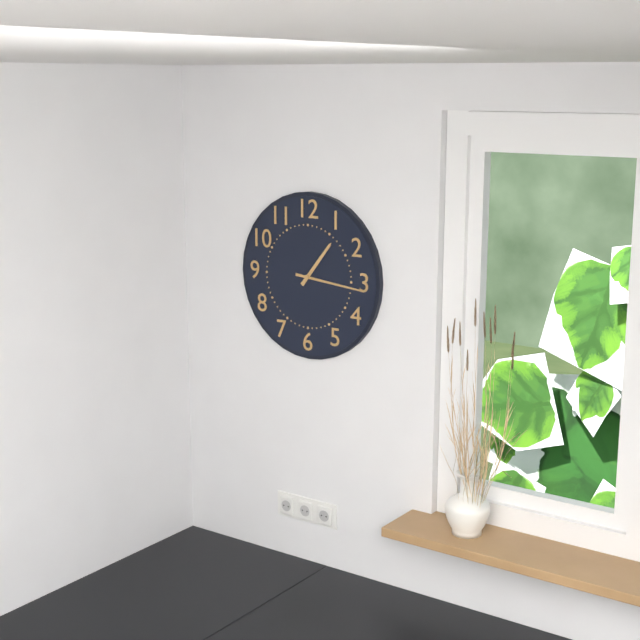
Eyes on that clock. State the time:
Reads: 1:16
